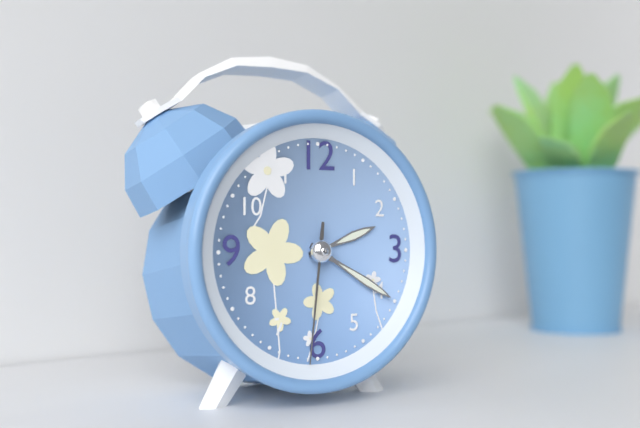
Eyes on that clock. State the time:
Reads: 2:20:31
